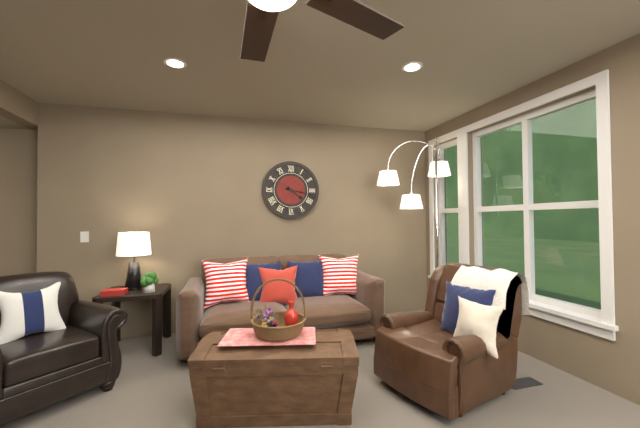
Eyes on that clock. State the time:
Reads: 4:17
